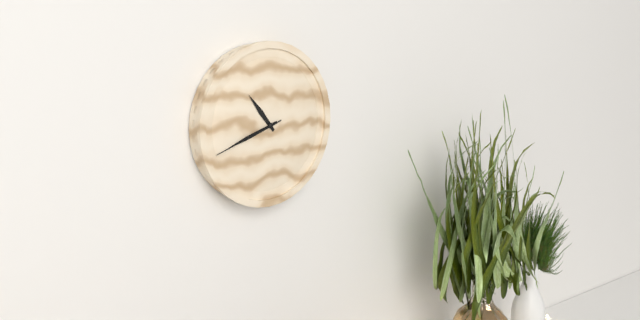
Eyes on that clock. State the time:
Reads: 10:42:42
